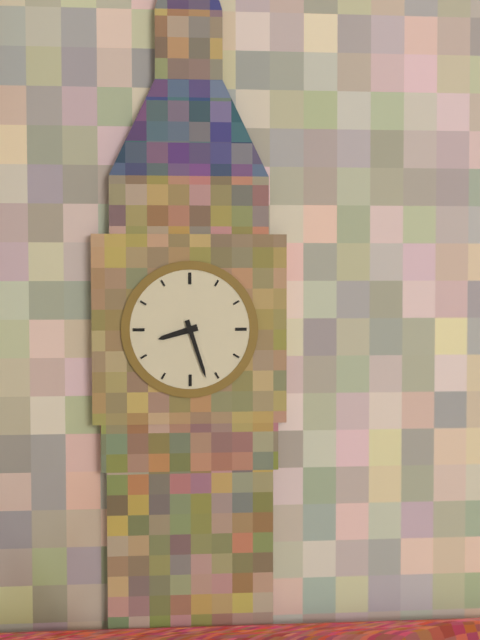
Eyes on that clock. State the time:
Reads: 8:27
